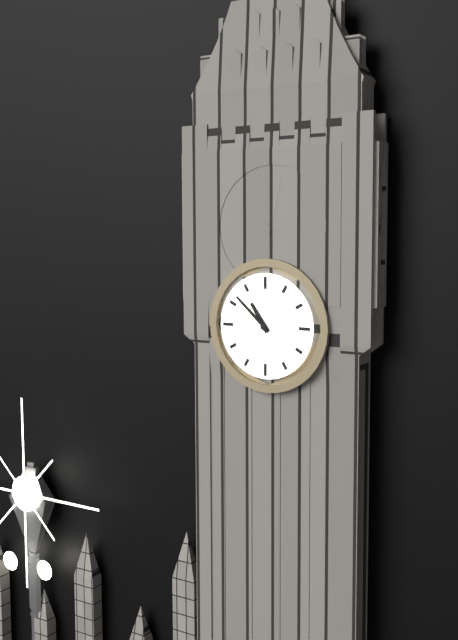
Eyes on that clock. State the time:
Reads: 10:52
